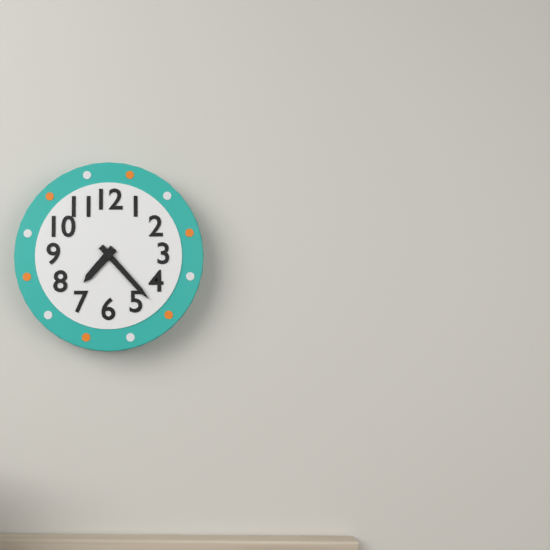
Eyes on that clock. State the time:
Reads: 7:23
